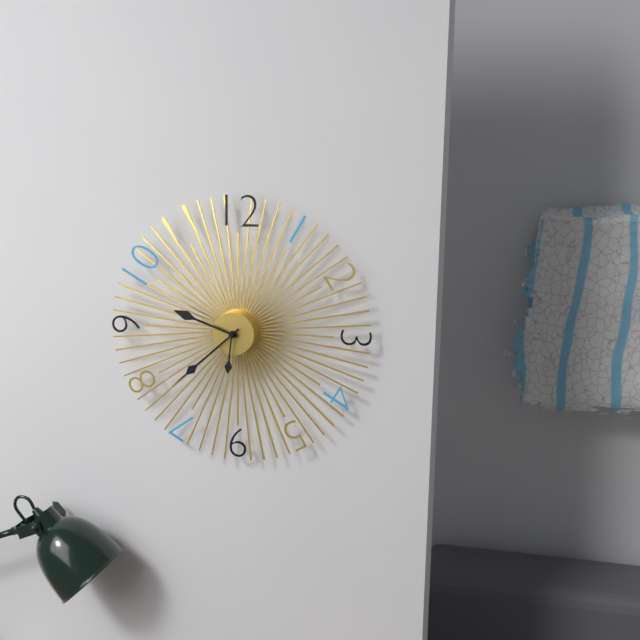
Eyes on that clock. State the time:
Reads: 9:38:31
